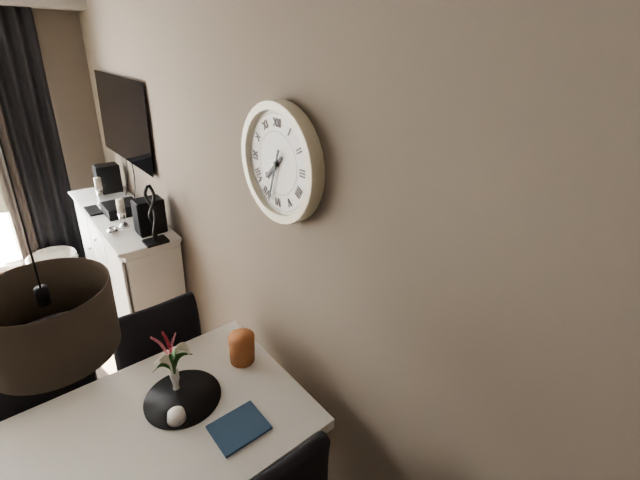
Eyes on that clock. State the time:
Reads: 7:33
